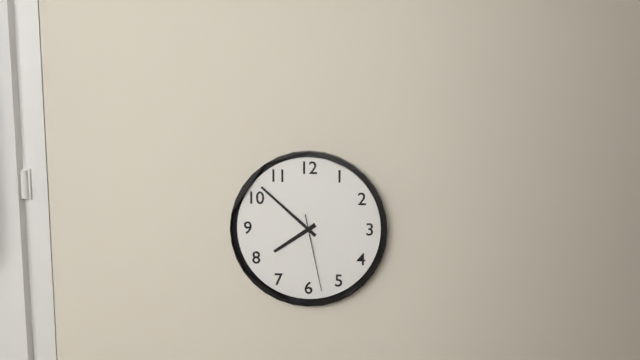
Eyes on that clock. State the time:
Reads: 7:52:28
